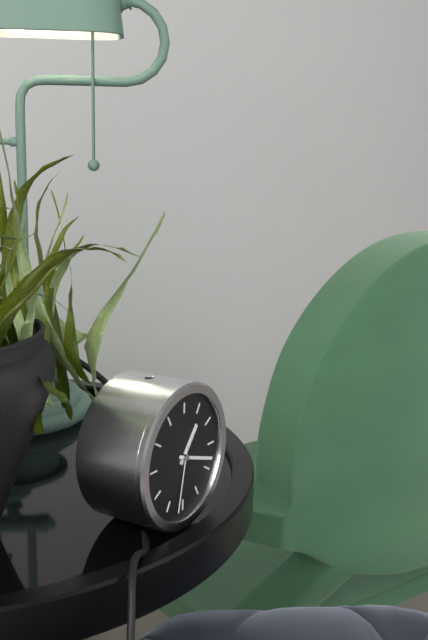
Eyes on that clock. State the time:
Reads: 1:18:32
